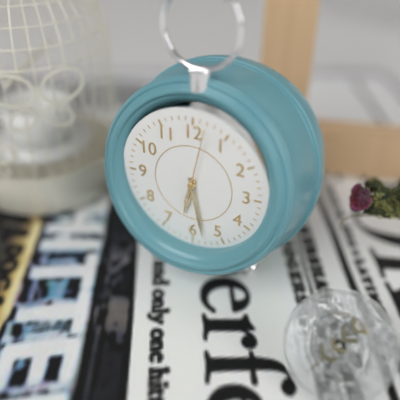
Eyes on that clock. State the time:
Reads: 6:28:02
